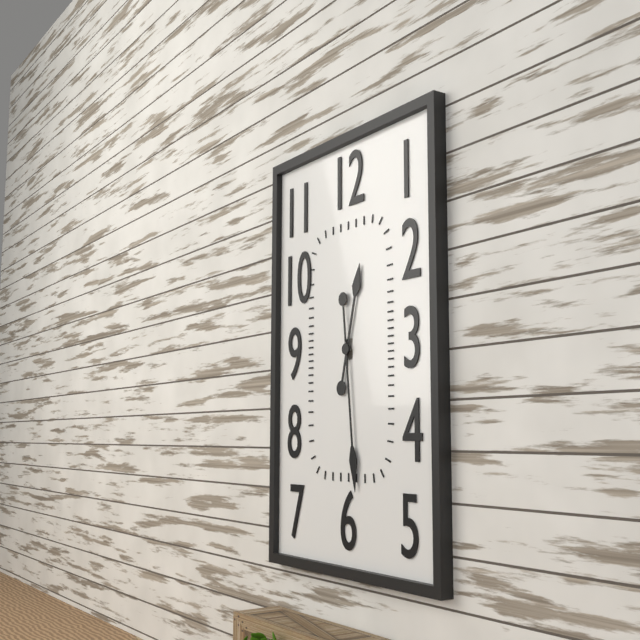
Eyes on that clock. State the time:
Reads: 12:29
